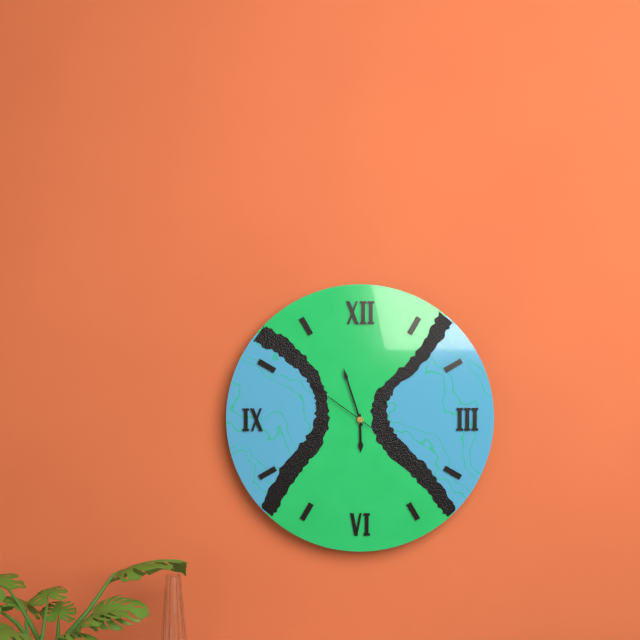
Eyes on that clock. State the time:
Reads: 5:57:51
